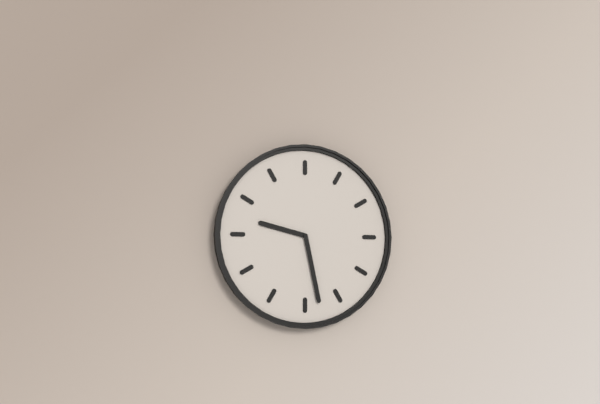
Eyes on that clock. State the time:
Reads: 9:28
